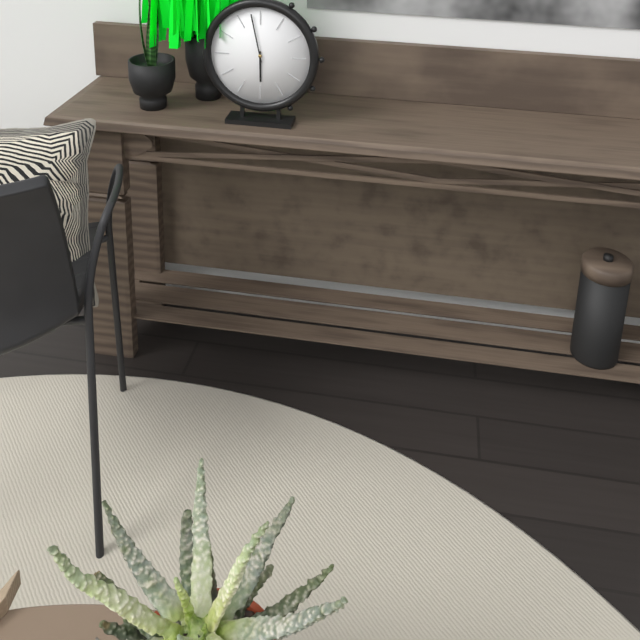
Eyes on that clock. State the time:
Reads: 5:58
